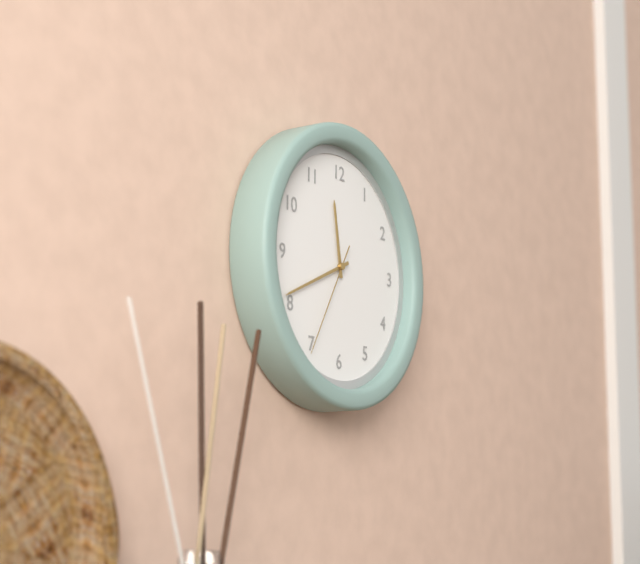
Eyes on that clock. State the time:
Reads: 11:41:35
